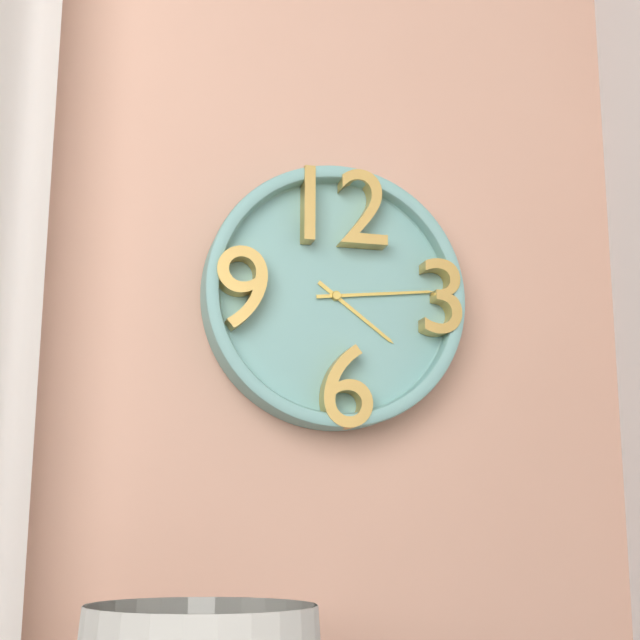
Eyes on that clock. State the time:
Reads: 4:14
